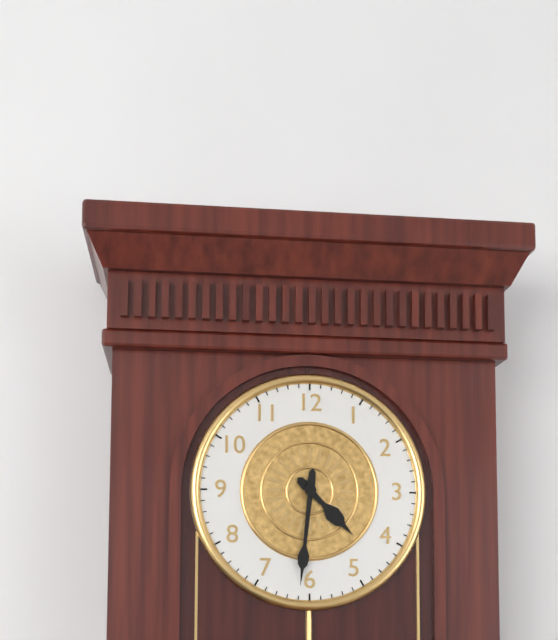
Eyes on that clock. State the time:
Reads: 4:31
